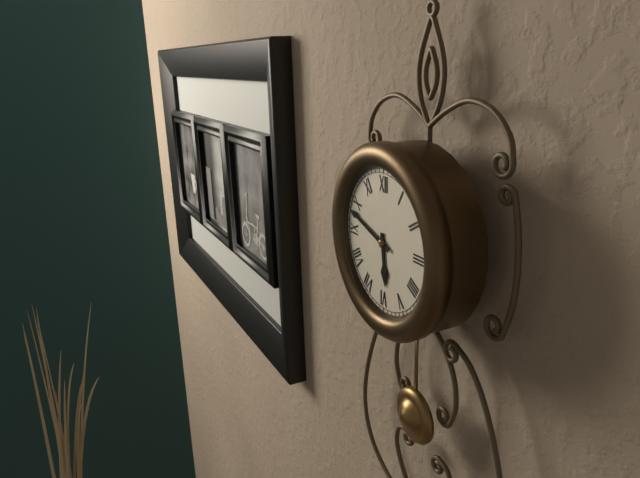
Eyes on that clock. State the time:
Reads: 5:48
